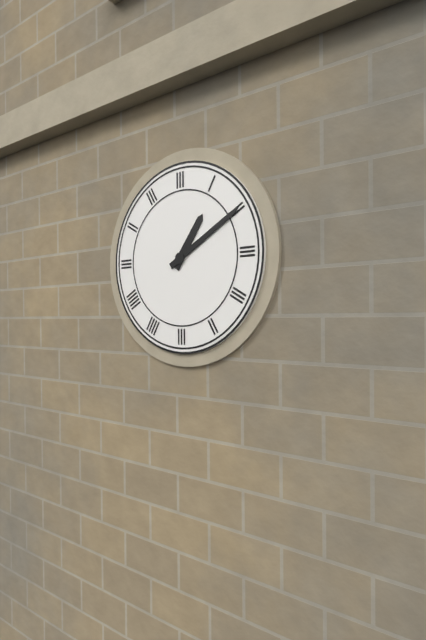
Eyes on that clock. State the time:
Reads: 1:10
